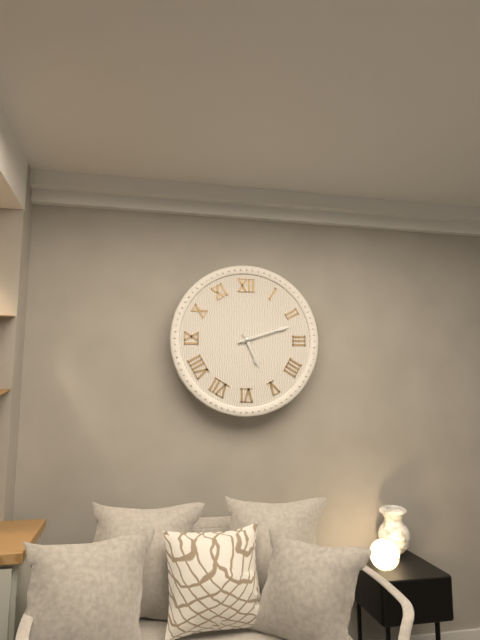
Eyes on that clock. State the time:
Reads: 5:12
